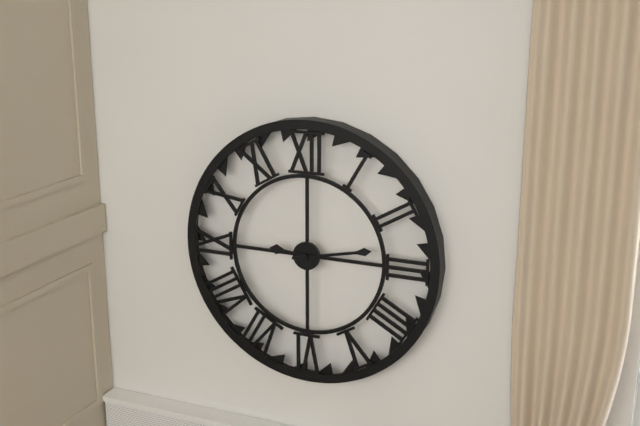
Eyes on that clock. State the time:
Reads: 9:13
